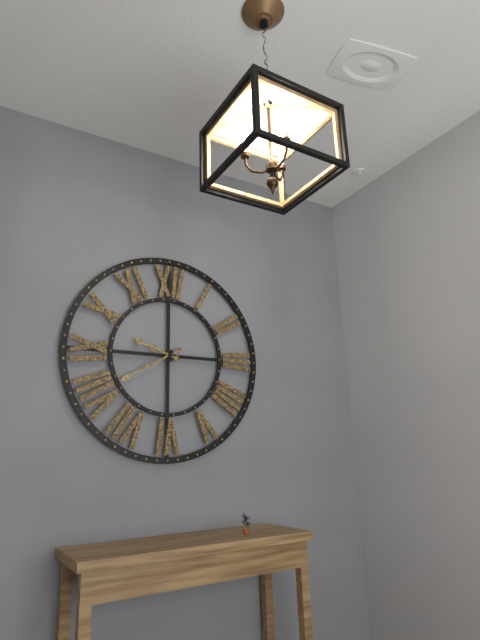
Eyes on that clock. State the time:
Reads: 9:40
